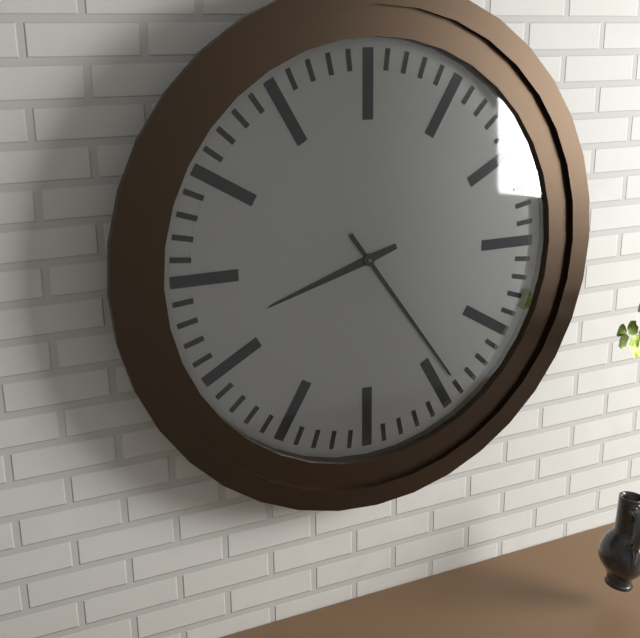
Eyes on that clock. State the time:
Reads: 8:24
